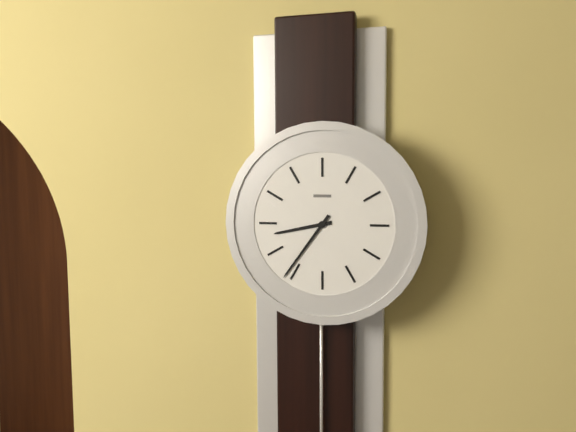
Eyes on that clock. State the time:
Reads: 8:36
